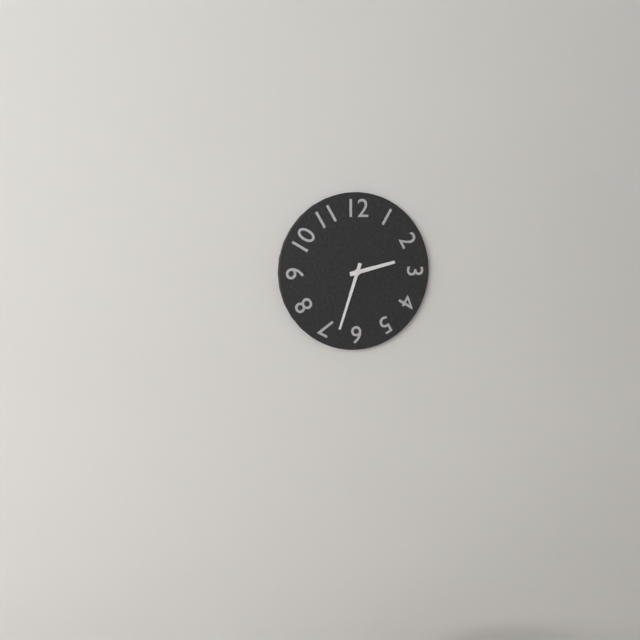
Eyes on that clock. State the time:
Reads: 2:33
